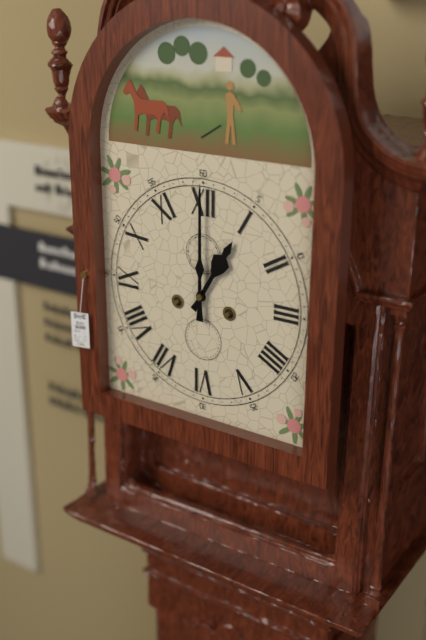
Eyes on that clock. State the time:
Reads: 1:00
